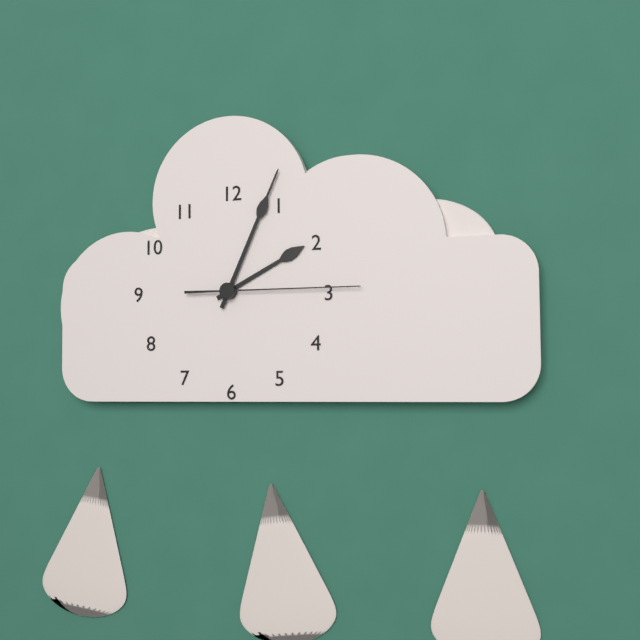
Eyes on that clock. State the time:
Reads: 2:04:15
